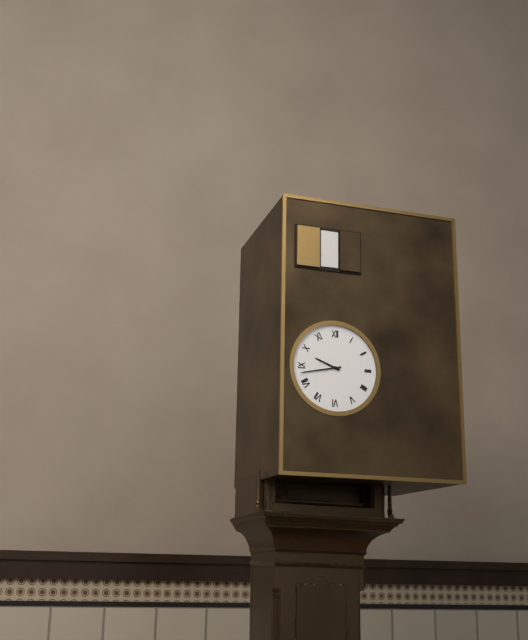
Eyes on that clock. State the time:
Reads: 9:43
